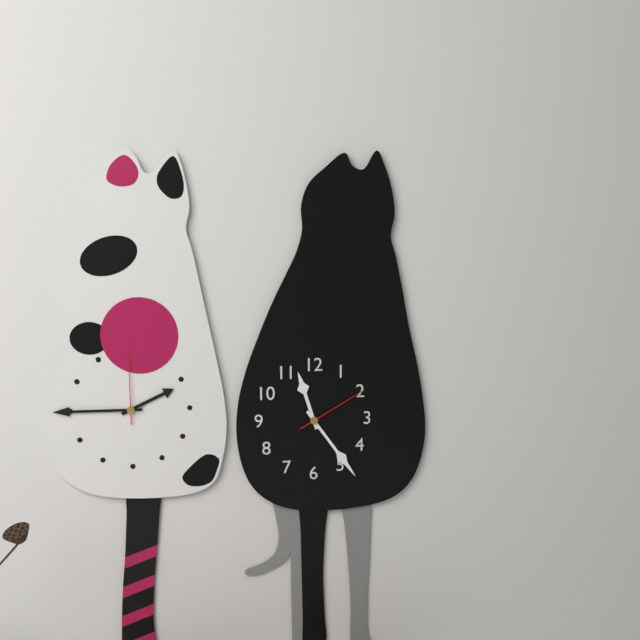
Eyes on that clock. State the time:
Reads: 11:24:10
